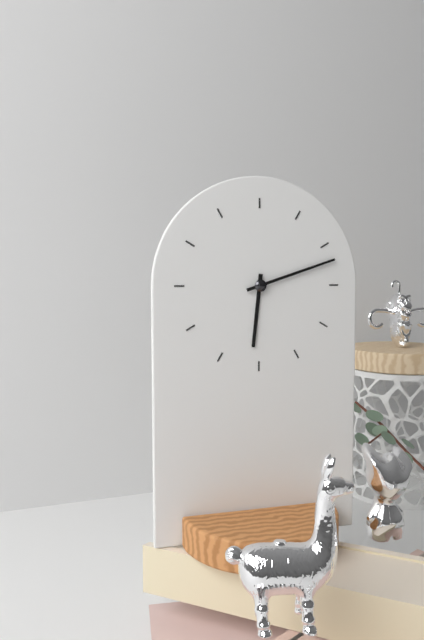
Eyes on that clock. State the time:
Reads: 6:12
